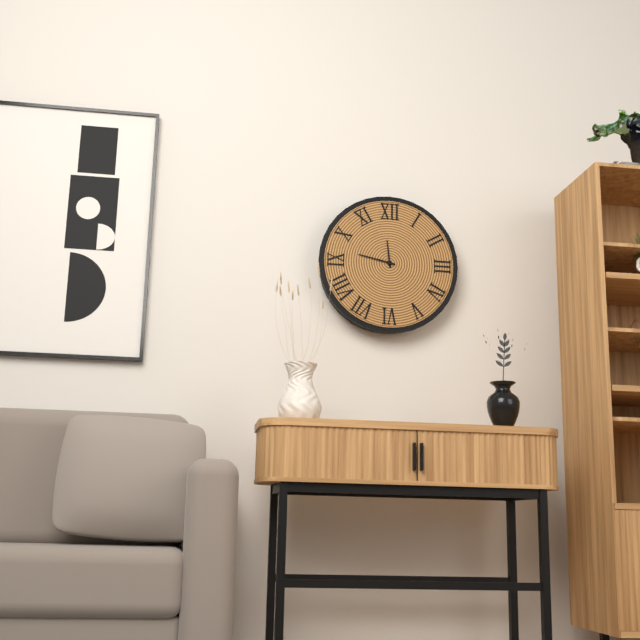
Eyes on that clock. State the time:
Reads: 11:47
